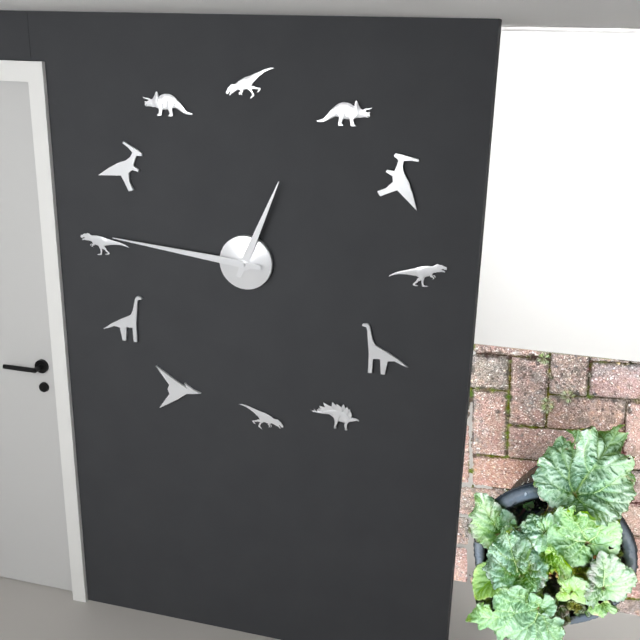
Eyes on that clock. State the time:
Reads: 12:46
